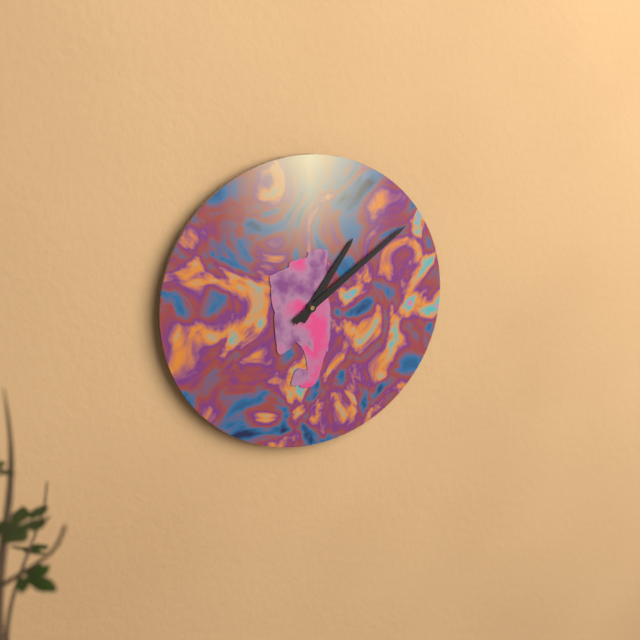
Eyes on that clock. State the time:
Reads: 1:09
